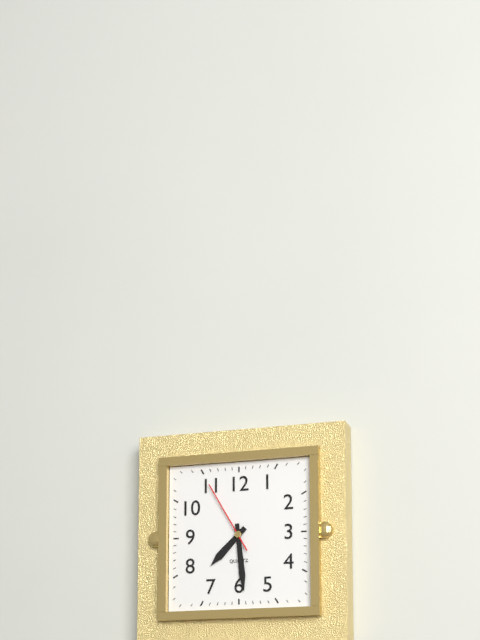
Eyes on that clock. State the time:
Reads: 7:29:55
